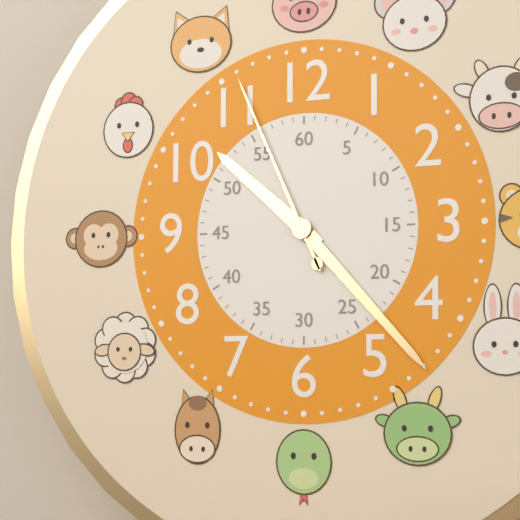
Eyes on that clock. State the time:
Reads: 10:23:56
